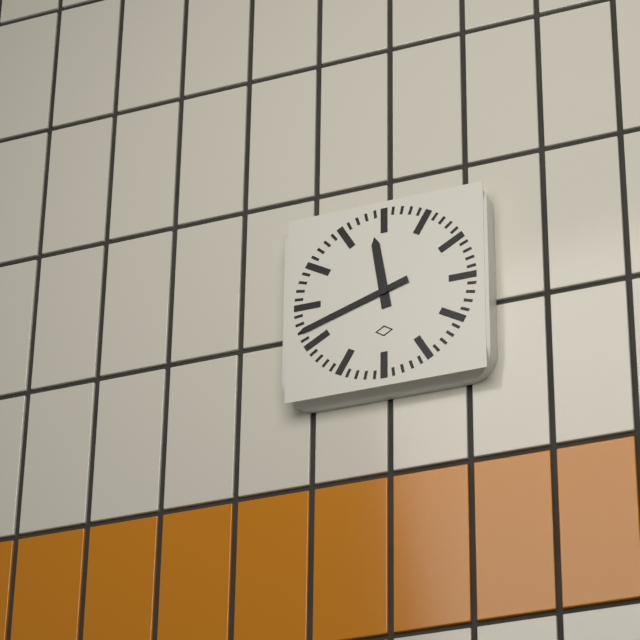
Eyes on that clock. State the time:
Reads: 11:42
